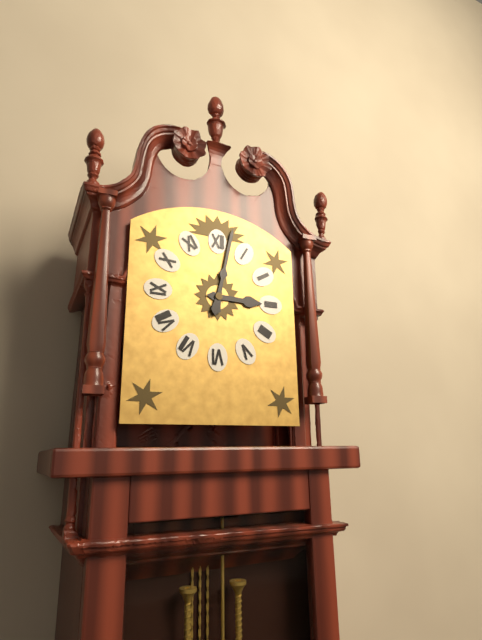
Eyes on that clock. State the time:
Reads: 3:02
